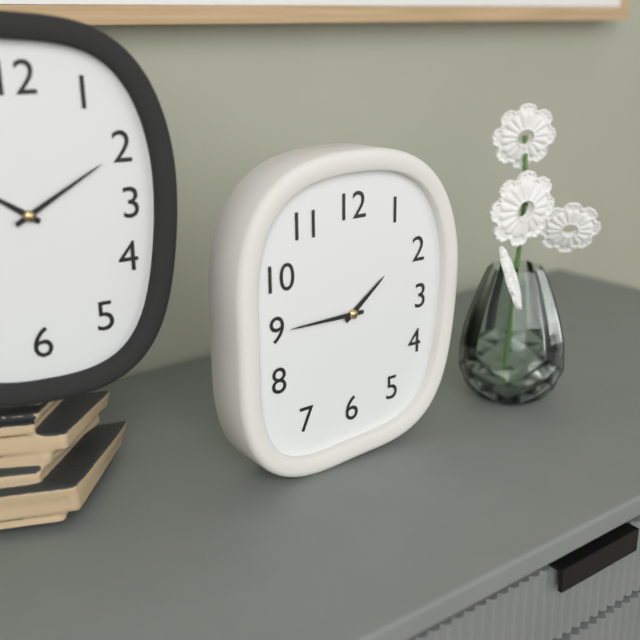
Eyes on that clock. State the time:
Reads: 1:45
